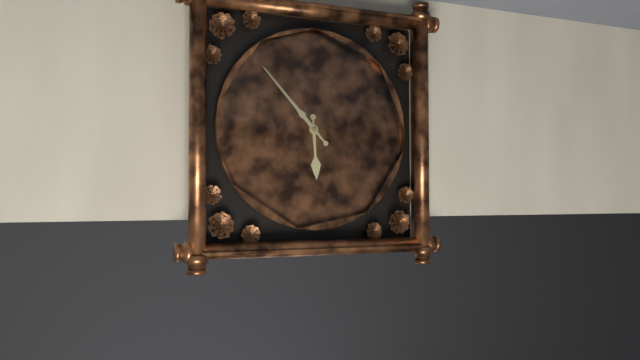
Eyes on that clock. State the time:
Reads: 5:53
